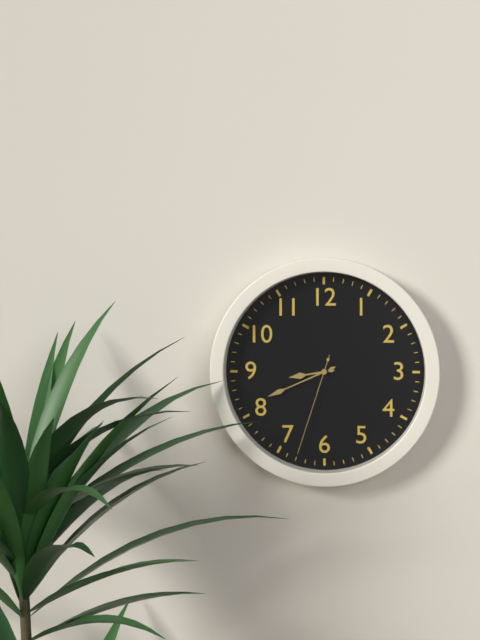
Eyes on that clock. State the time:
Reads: 8:41:33
